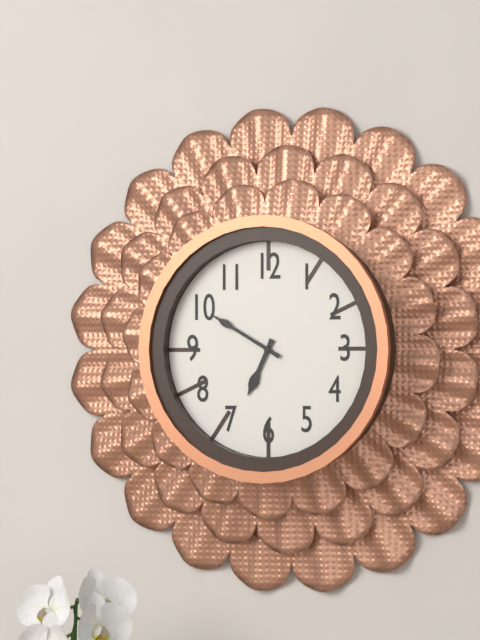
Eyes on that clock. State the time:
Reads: 6:50
